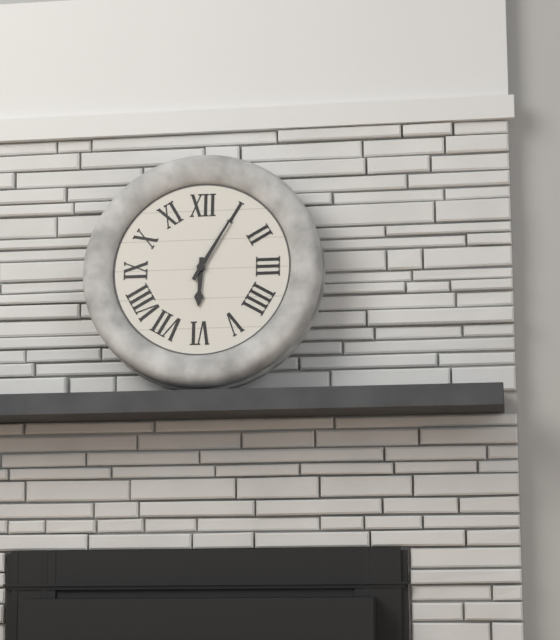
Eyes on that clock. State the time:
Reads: 6:05
